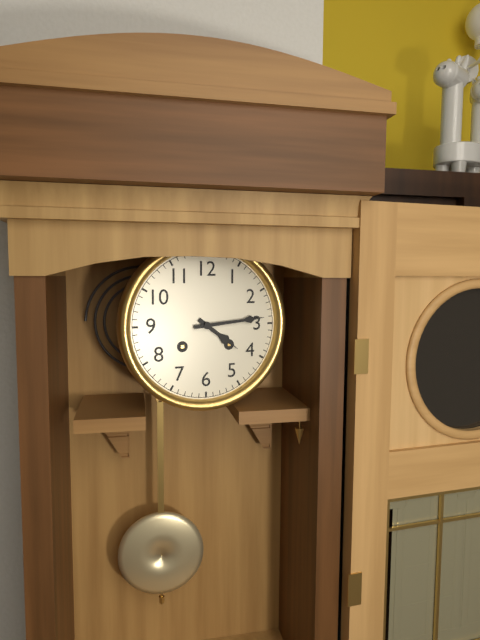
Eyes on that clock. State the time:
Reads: 4:14
